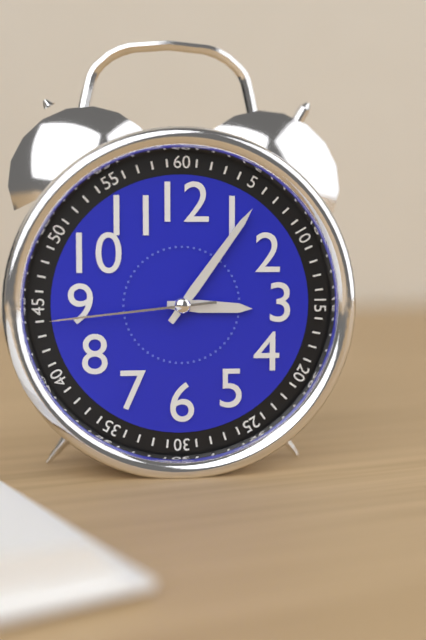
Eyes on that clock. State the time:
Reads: 3:06:44
